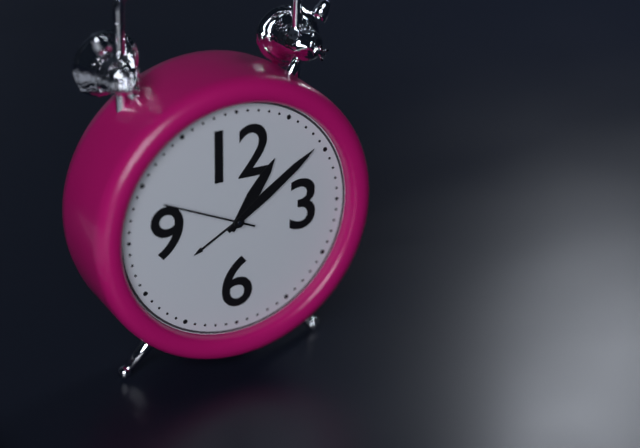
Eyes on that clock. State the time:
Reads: 1:09:49
